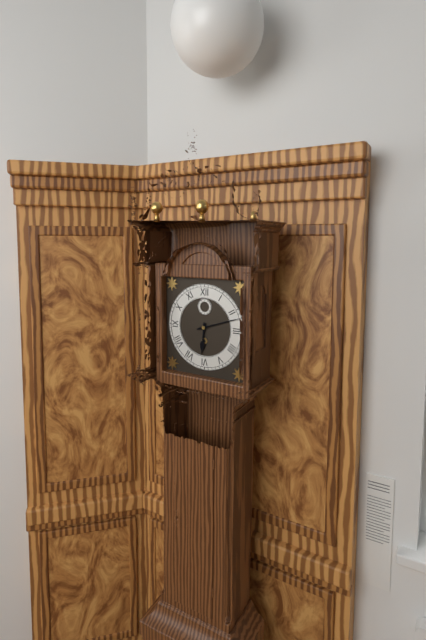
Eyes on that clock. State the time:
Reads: 6:12
